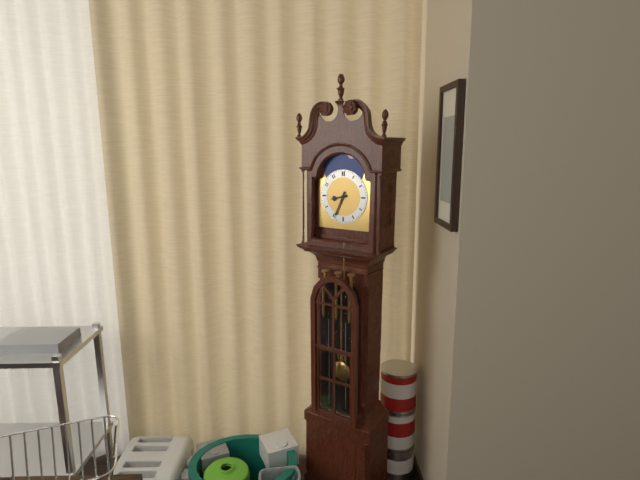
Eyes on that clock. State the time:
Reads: 8:34
